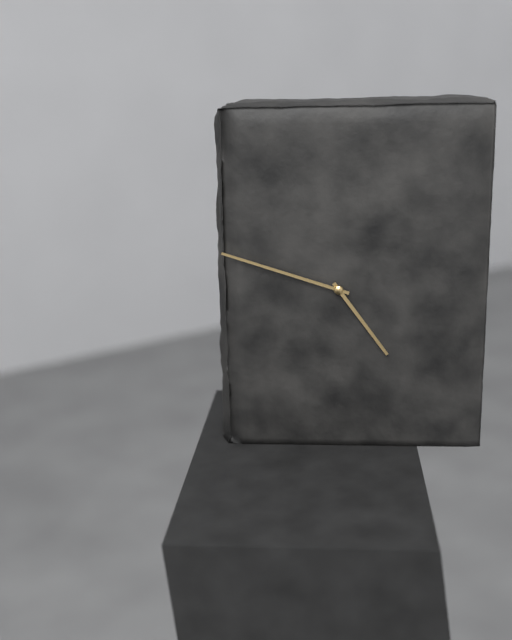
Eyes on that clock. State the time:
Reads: 4:48
